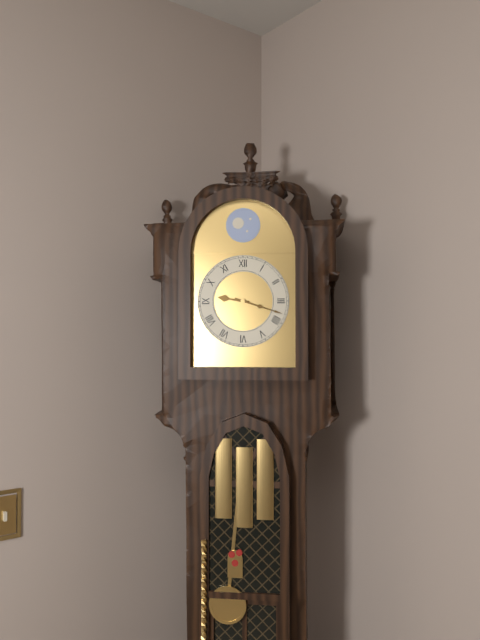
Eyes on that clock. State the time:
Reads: 9:18
